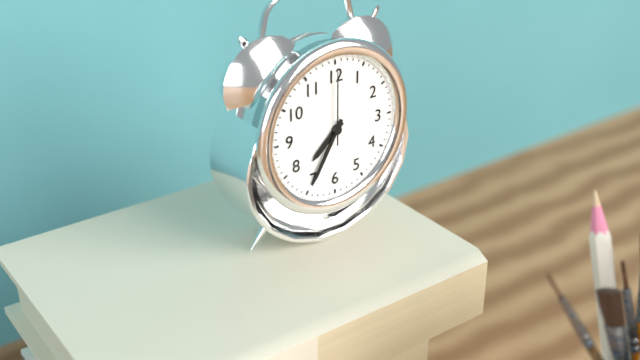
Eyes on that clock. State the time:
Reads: 7:35:00
